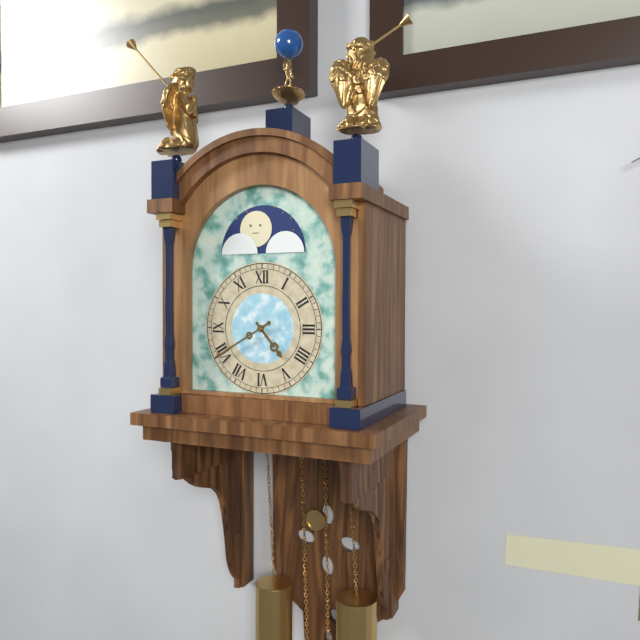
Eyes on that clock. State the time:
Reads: 4:40
